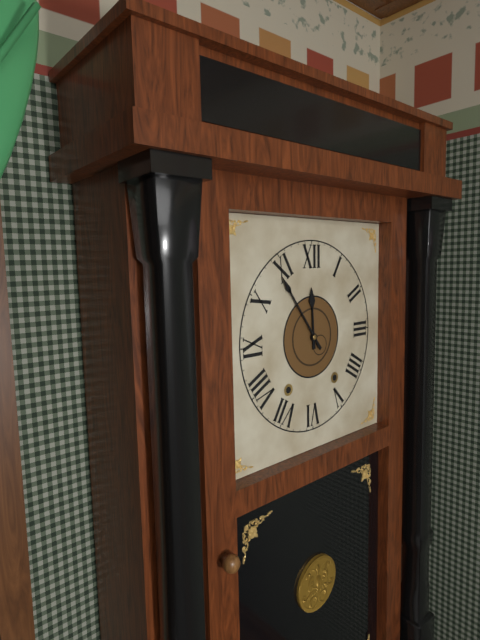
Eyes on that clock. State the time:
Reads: 11:54
